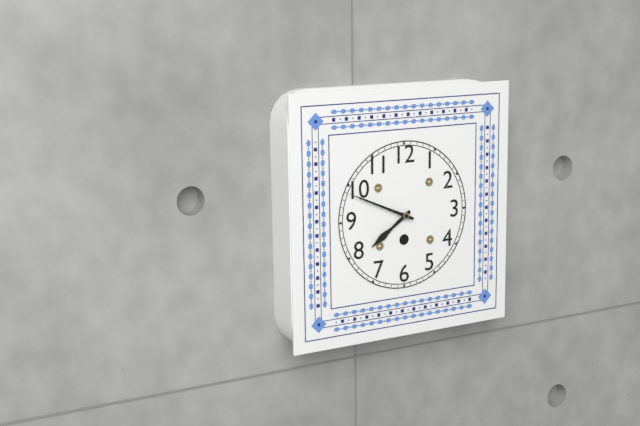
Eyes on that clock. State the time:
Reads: 7:49
